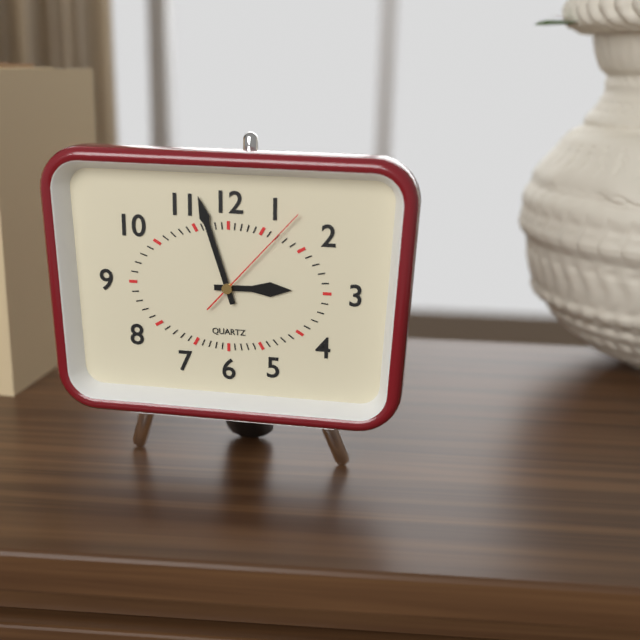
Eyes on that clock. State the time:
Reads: 2:57:07
